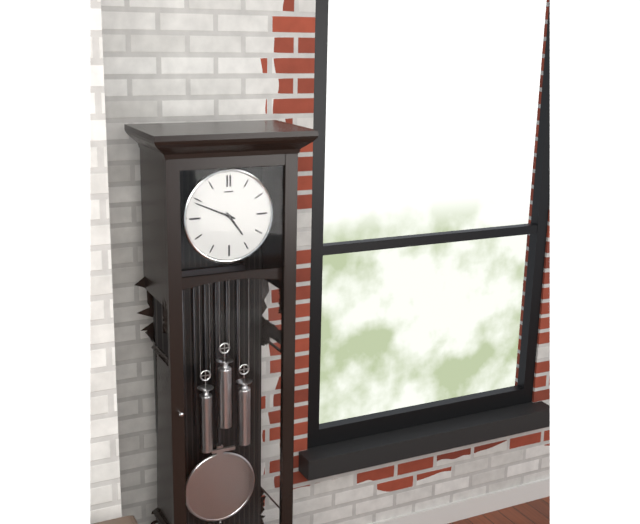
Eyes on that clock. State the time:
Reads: 4:49
